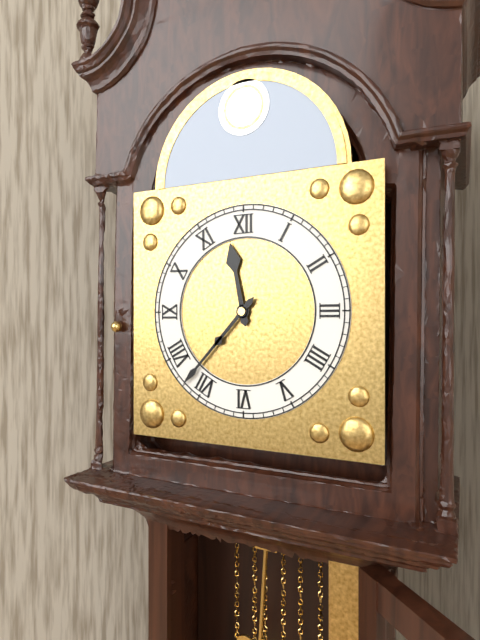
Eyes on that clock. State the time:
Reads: 11:37
